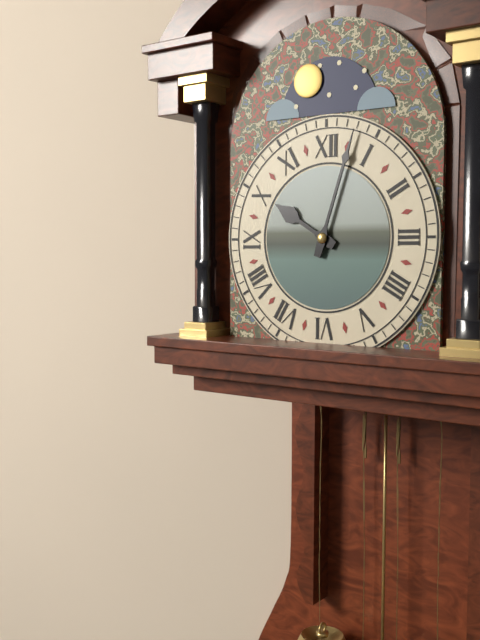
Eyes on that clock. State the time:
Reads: 10:03
